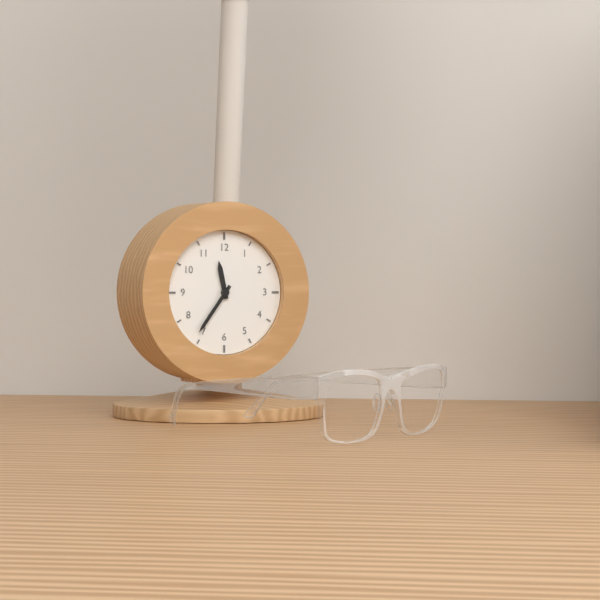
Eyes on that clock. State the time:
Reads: 11:36
